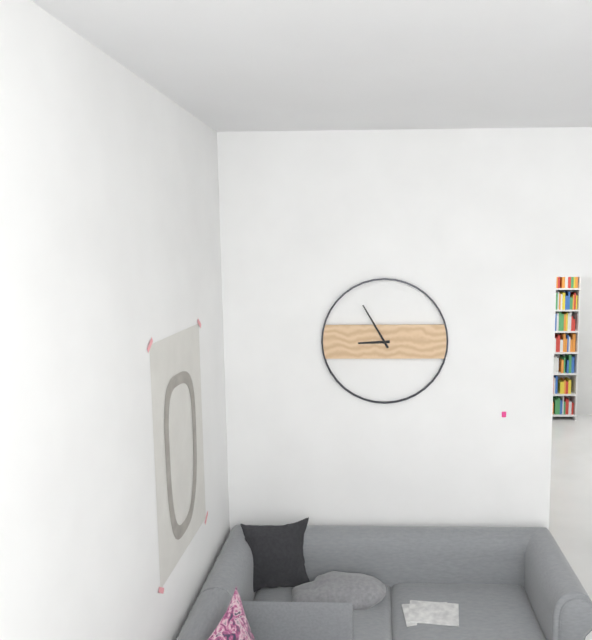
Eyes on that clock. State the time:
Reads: 8:55
